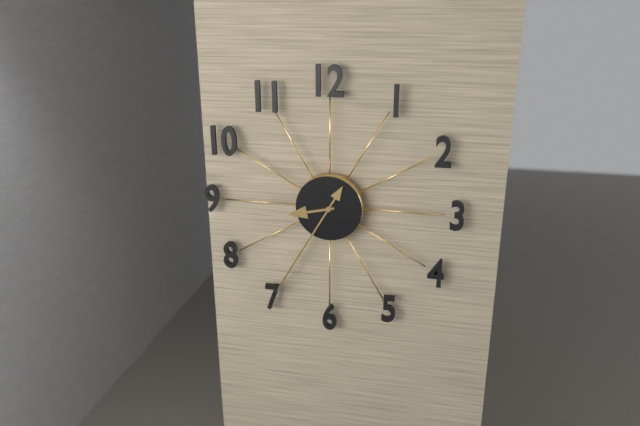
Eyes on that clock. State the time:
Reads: 8:35
